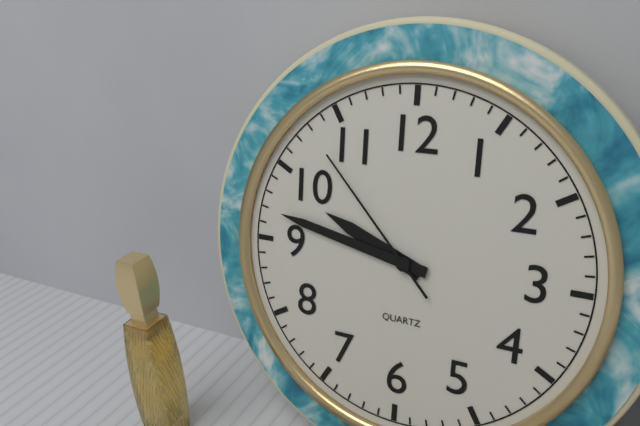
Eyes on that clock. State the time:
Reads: 9:47:53
